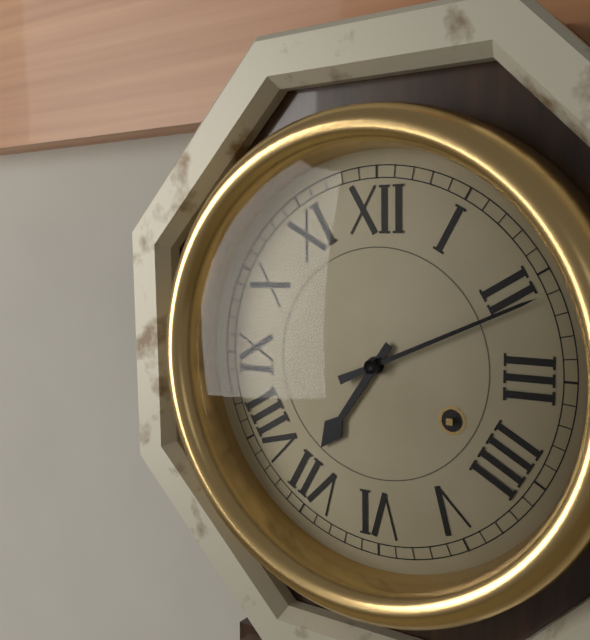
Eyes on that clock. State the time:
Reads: 7:11
